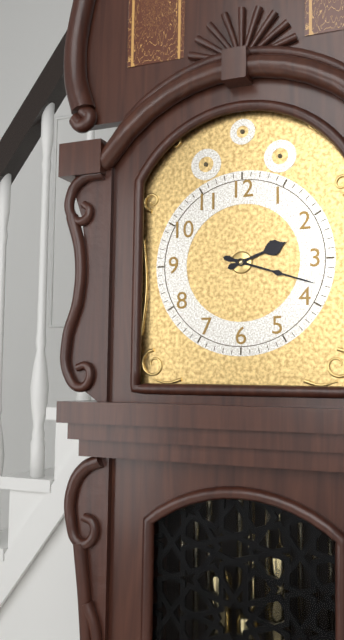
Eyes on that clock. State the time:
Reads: 2:18
